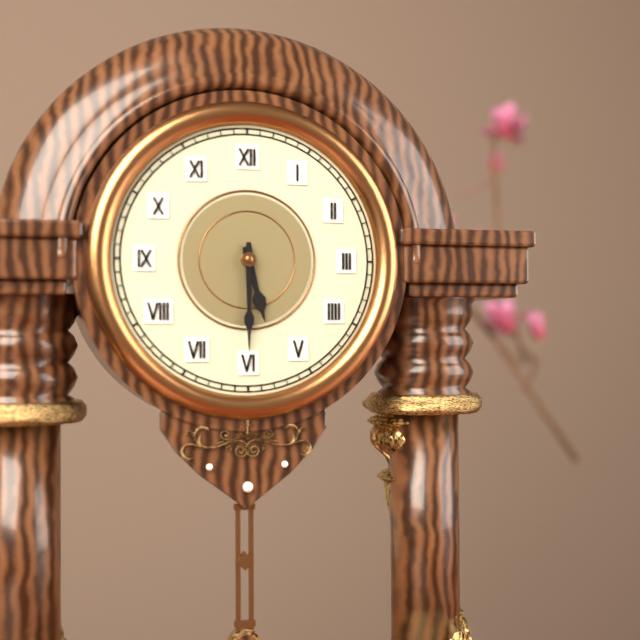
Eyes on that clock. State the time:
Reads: 5:30
